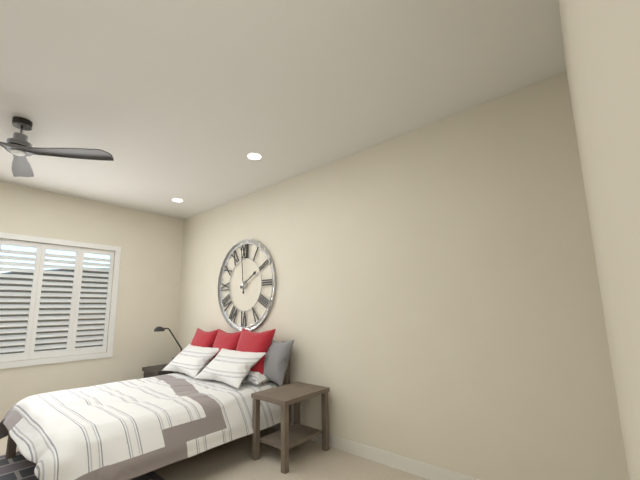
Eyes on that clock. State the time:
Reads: 1:59
